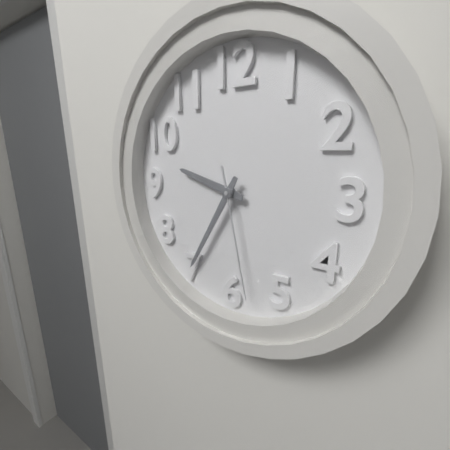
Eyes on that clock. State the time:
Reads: 9:35:28
